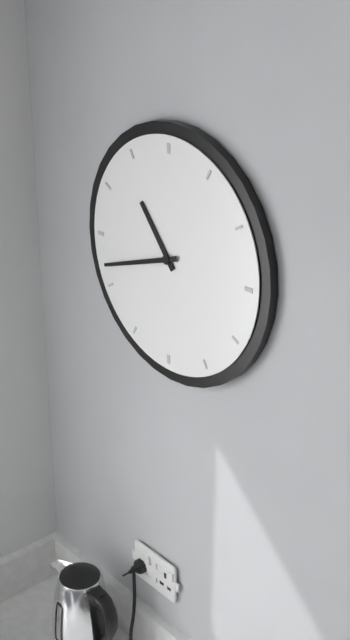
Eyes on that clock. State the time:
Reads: 10:42
